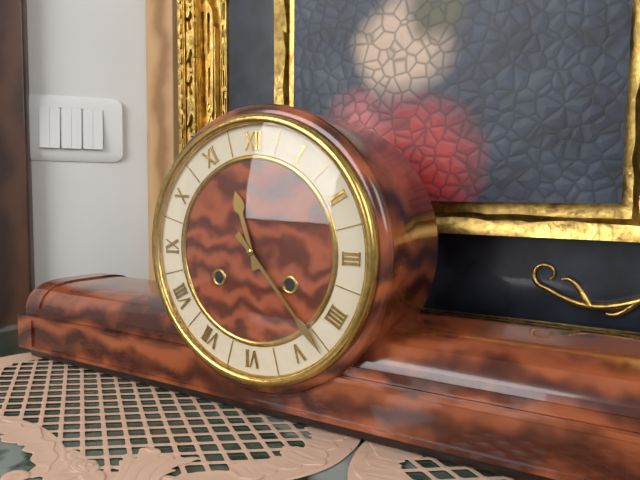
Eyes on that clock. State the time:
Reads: 11:23
